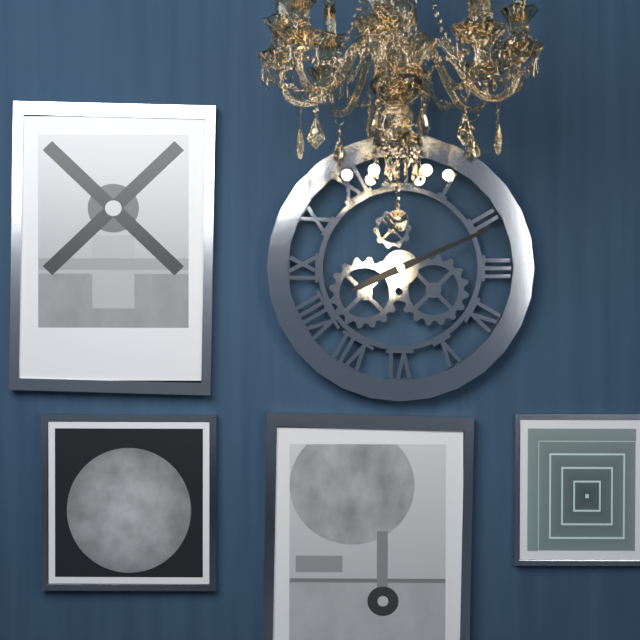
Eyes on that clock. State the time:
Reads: 8:11
